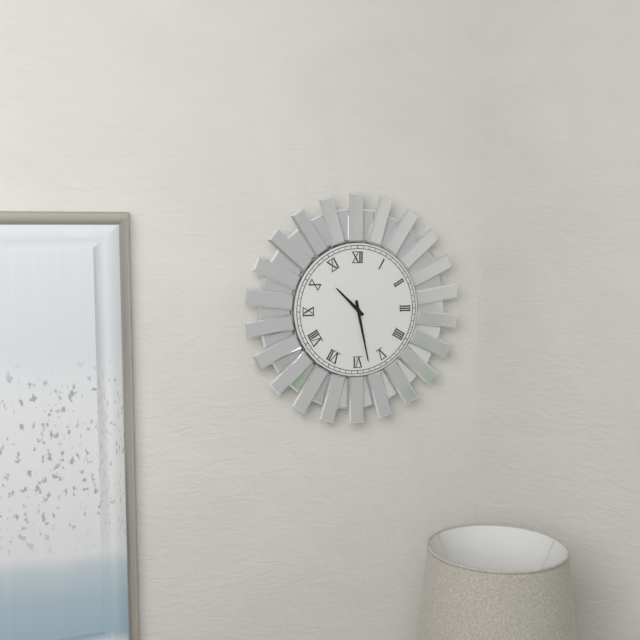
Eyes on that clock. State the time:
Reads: 10:28
